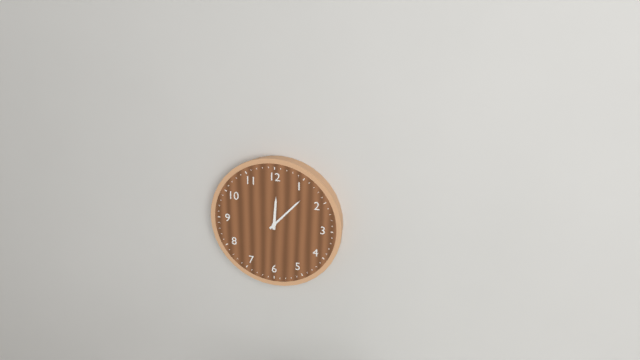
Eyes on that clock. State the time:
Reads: 12:07
